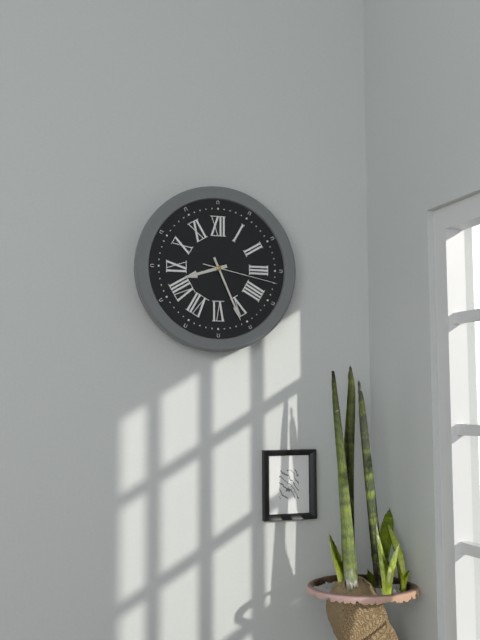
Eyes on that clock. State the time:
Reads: 8:26:17
